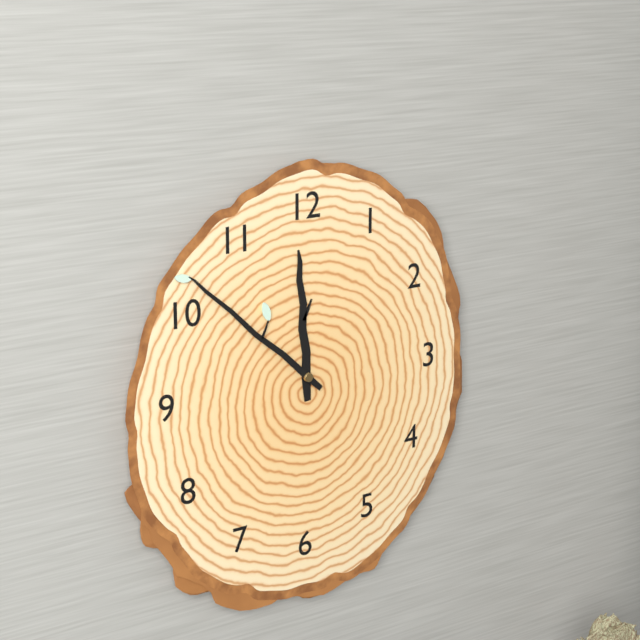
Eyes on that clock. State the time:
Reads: 11:52
